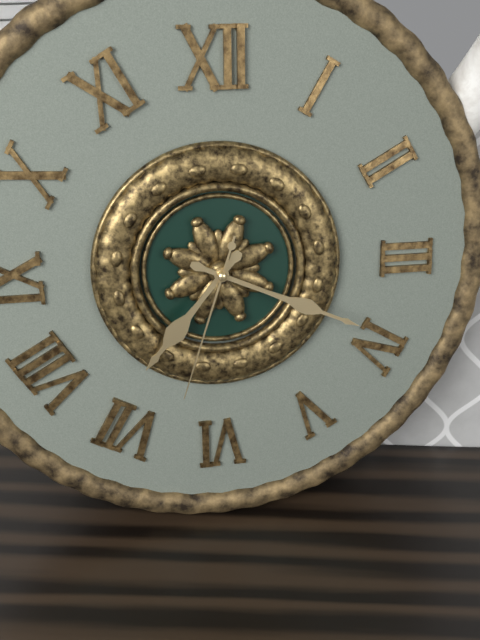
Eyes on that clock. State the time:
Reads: 7:19:33
